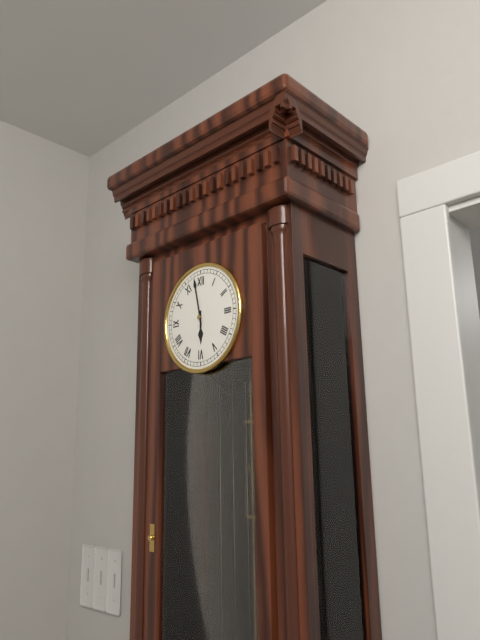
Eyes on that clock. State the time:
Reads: 5:58
